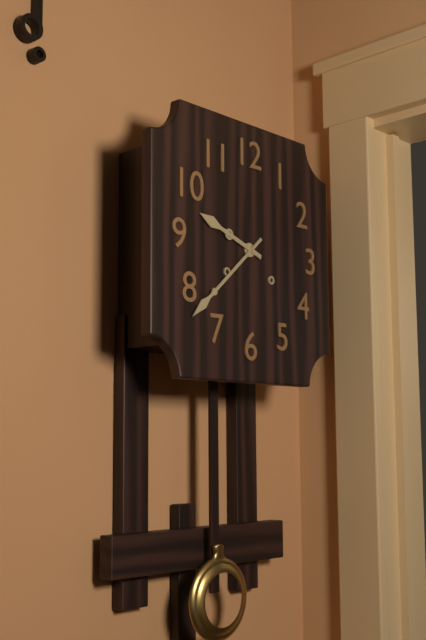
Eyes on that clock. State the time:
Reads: 9:38
